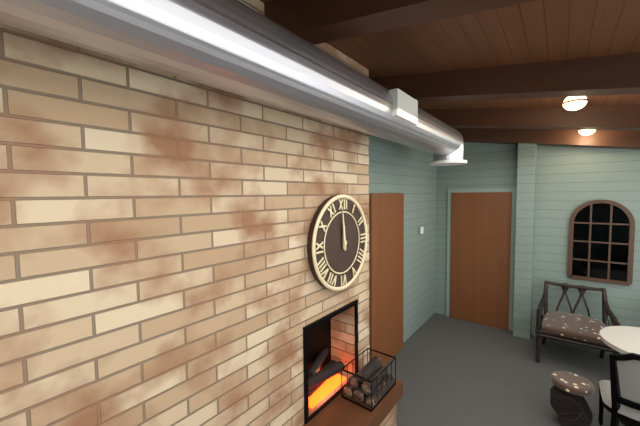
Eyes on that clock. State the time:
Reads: 11:59
